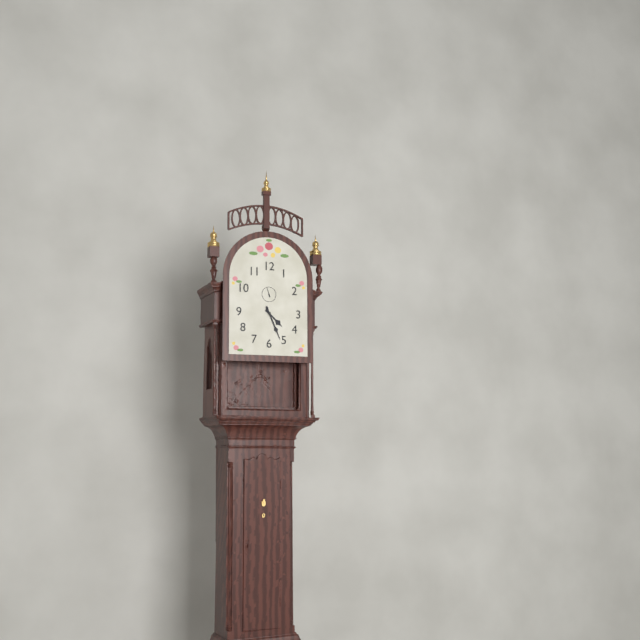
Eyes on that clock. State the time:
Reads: 4:26
